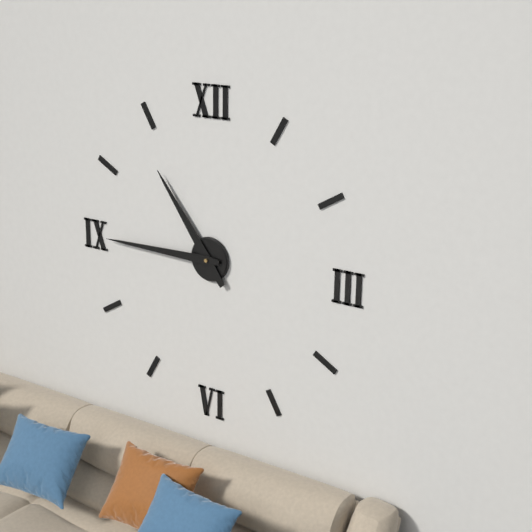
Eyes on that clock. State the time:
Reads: 10:45
